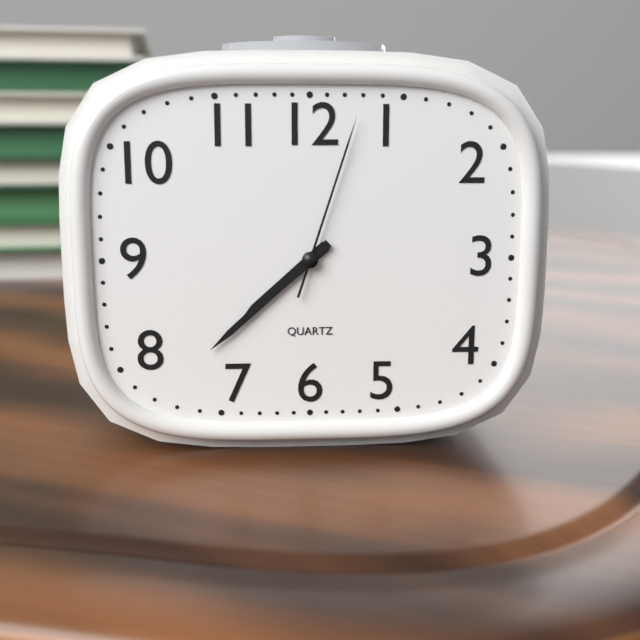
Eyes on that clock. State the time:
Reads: 7:38:03
